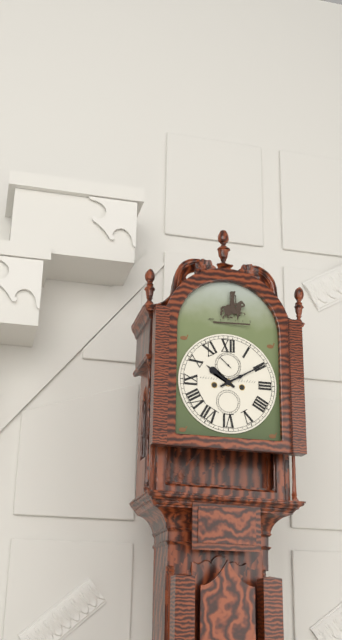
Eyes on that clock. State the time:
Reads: 10:10
